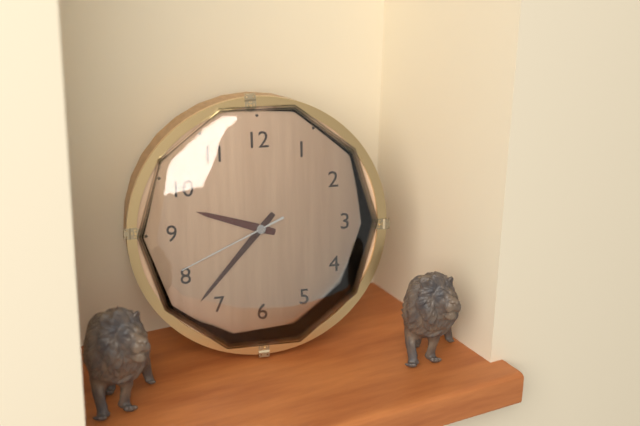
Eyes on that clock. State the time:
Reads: 9:37:41
